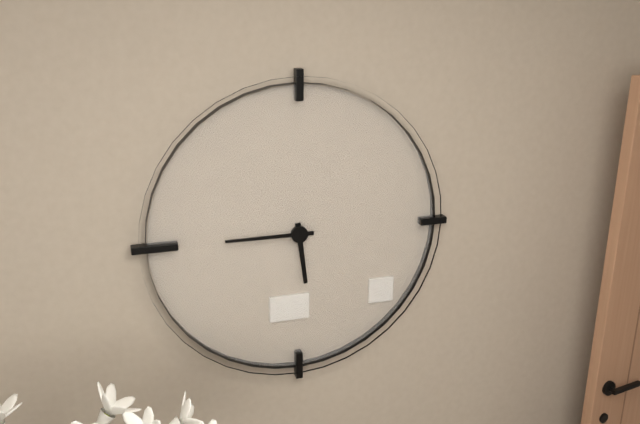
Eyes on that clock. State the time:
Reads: 5:45
